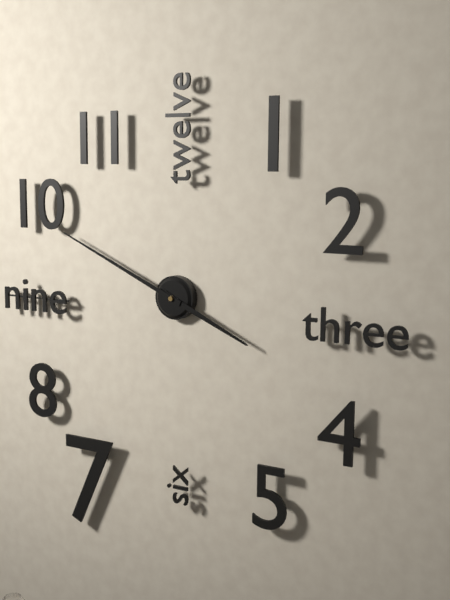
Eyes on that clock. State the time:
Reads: 3:49
